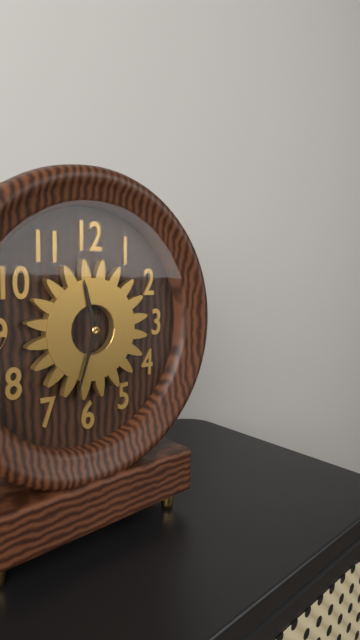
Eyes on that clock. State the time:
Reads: 11:33
